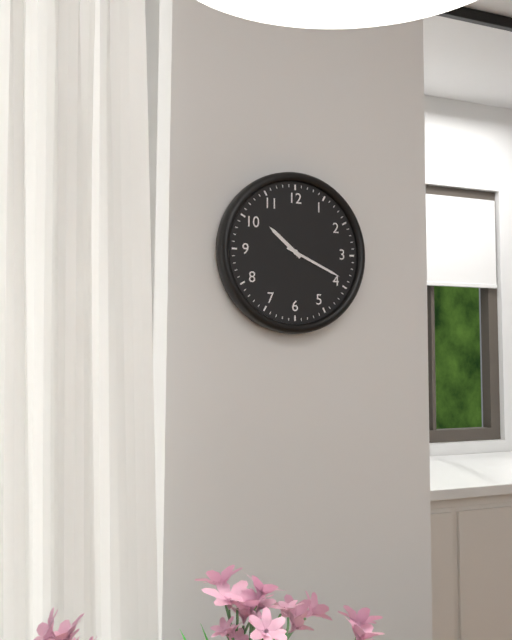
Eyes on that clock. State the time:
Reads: 10:19
